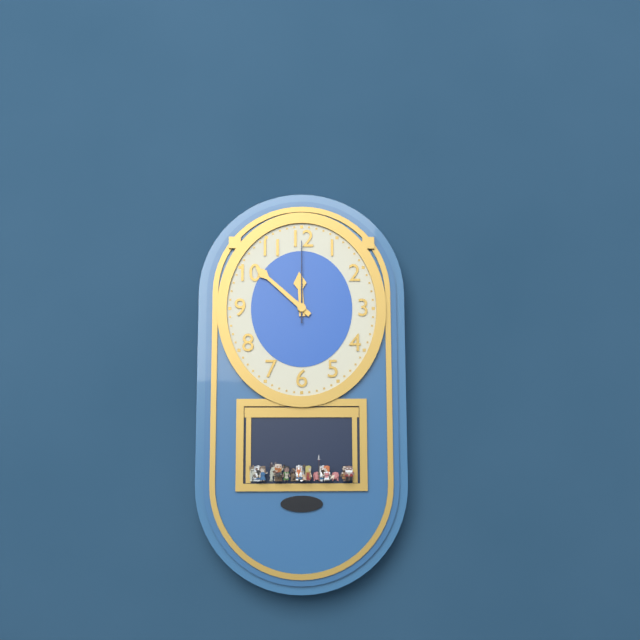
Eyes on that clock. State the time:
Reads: 11:52:00
